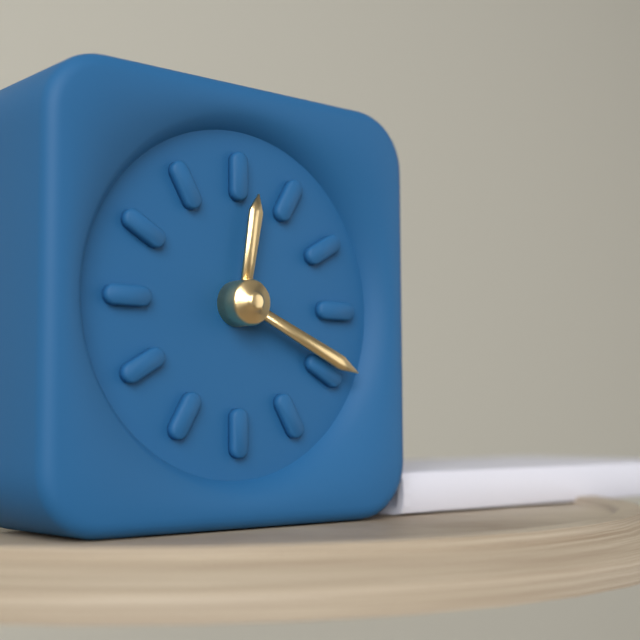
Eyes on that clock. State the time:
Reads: 12:19
